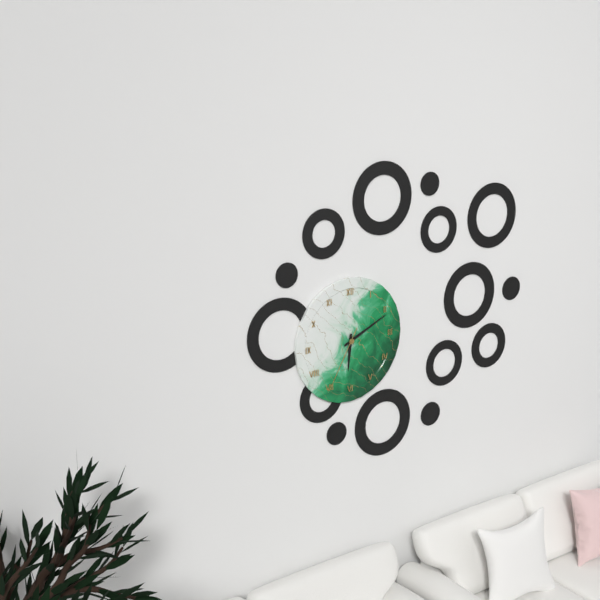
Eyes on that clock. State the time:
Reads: 6:11:35
